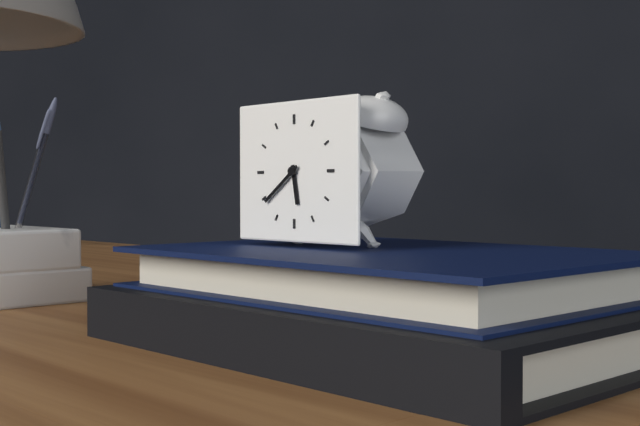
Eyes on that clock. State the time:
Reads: 5:39
